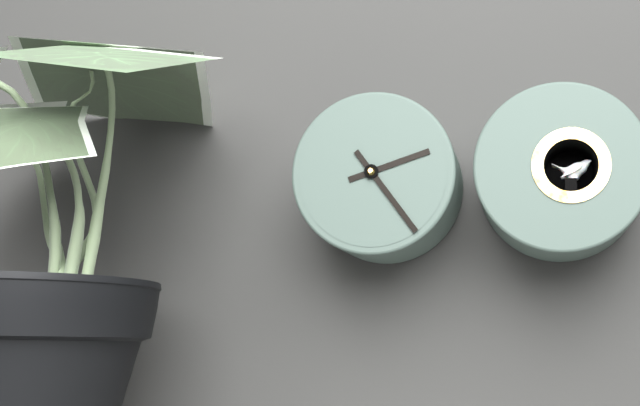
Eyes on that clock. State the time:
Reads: 2:24
